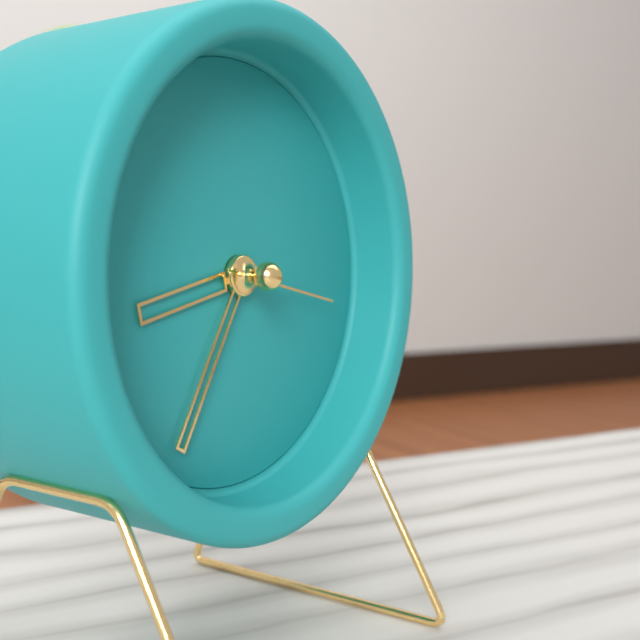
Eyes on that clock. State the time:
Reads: 8:35:17
